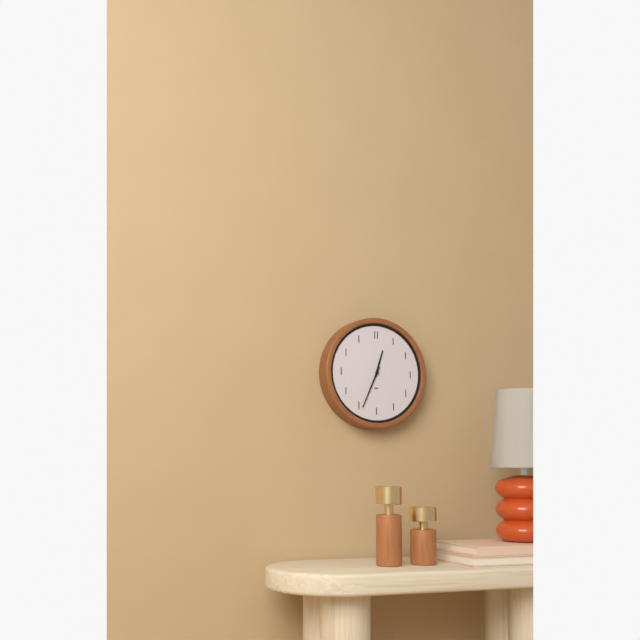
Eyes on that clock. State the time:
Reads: 12:34
